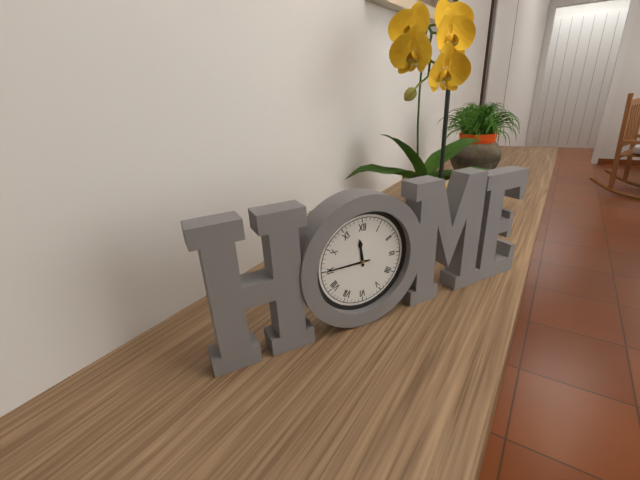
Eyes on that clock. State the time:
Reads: 11:45
